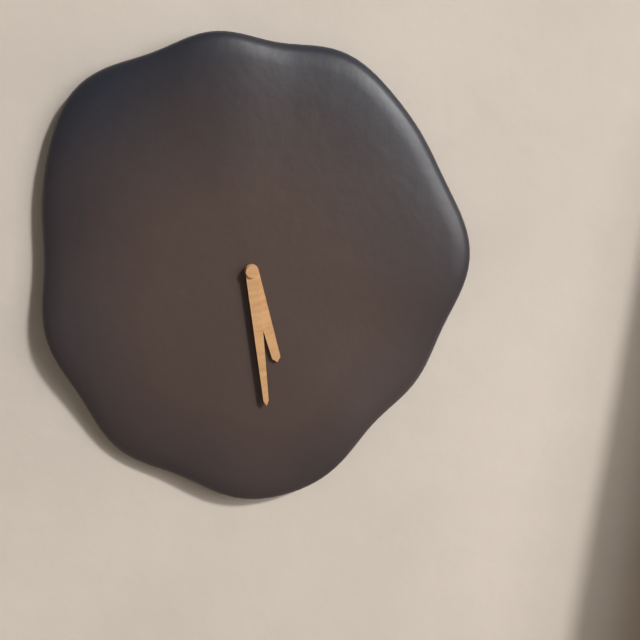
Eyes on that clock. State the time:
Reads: 5:29
